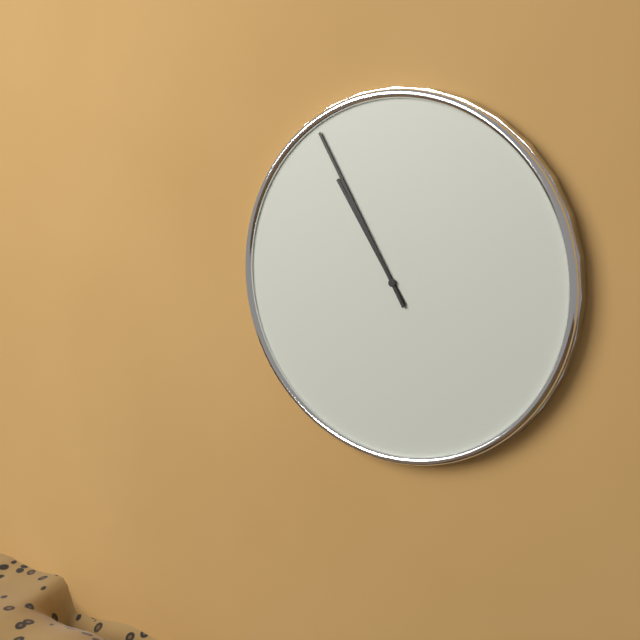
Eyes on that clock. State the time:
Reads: 10:55
